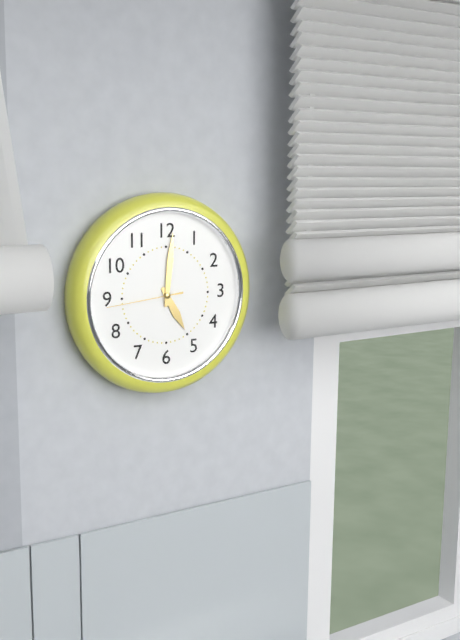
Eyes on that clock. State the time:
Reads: 5:01:44
